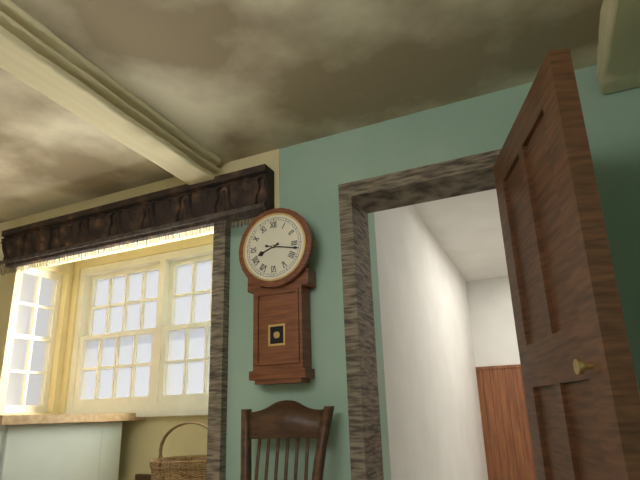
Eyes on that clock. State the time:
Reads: 8:17
